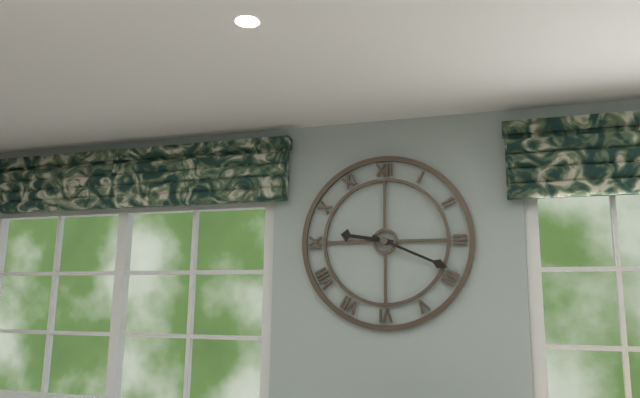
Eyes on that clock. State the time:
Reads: 9:19
